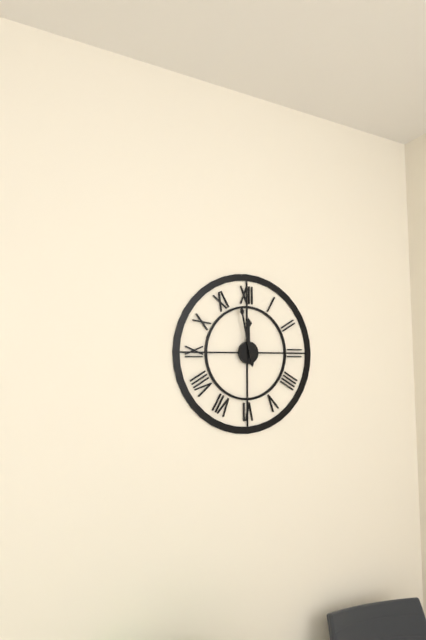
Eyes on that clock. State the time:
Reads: 11:58
